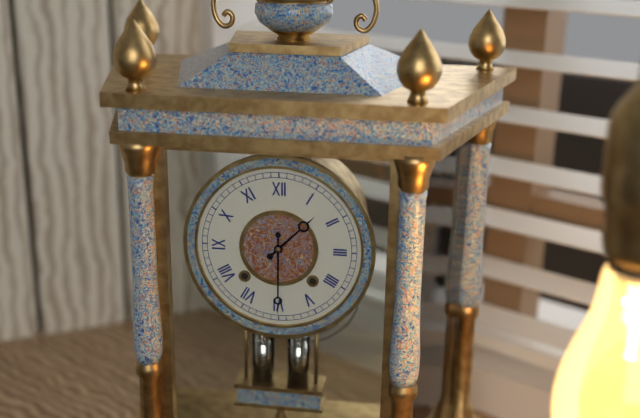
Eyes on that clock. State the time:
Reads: 1:30
